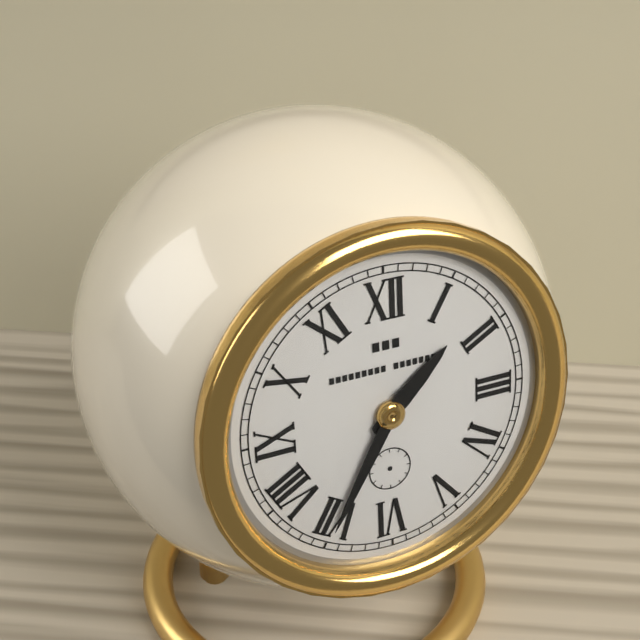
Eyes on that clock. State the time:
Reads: 1:35
